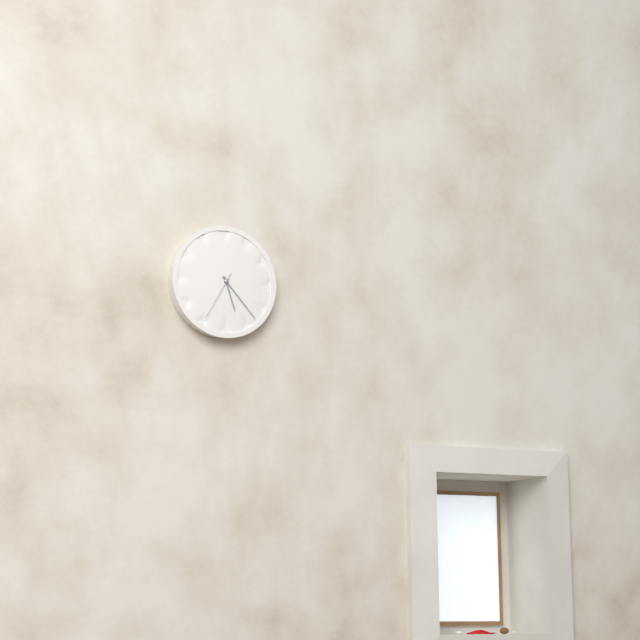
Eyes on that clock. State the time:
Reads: 5:23:35
